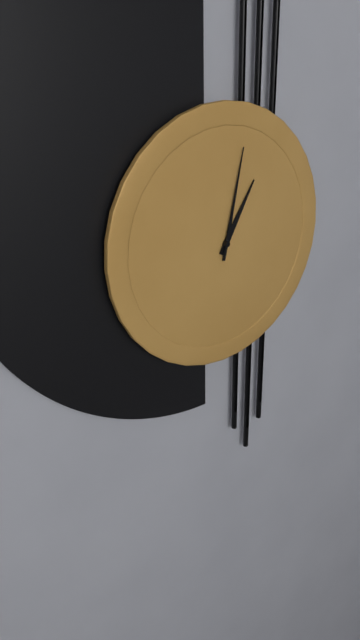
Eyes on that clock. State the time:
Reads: 1:02
